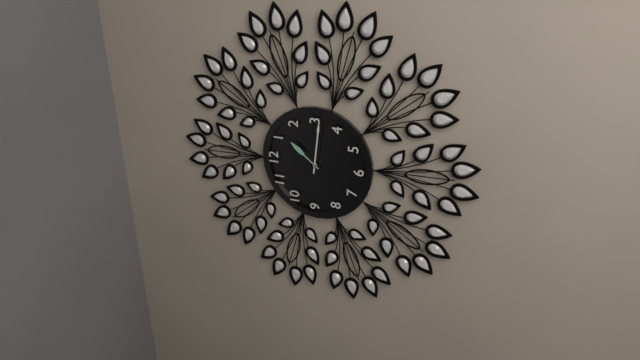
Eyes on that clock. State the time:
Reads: 1:16
